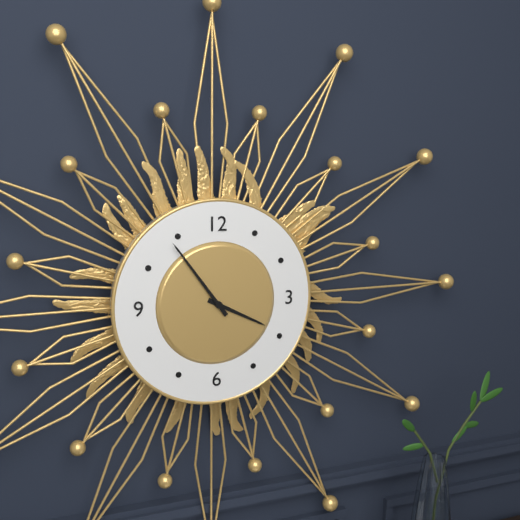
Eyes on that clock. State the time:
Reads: 3:54
